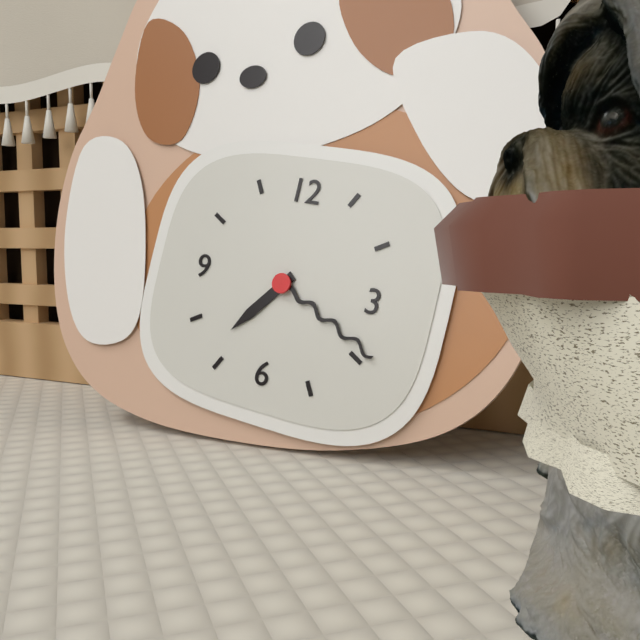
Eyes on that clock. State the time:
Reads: 7:19
